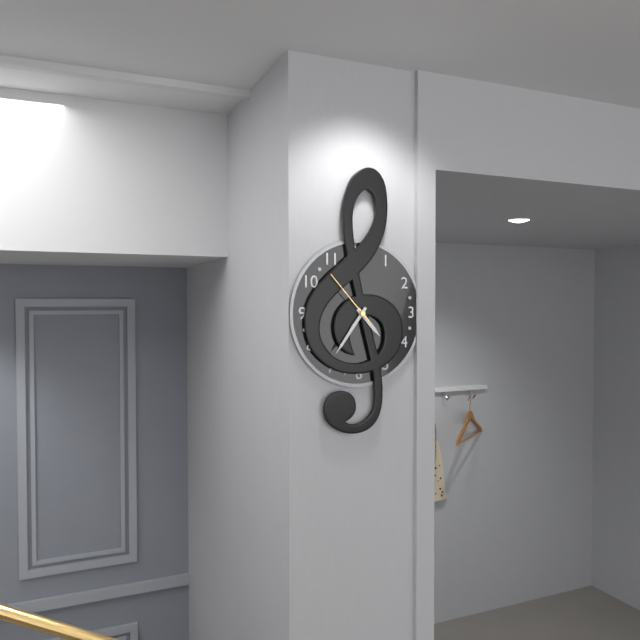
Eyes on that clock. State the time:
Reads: 4:36:53
